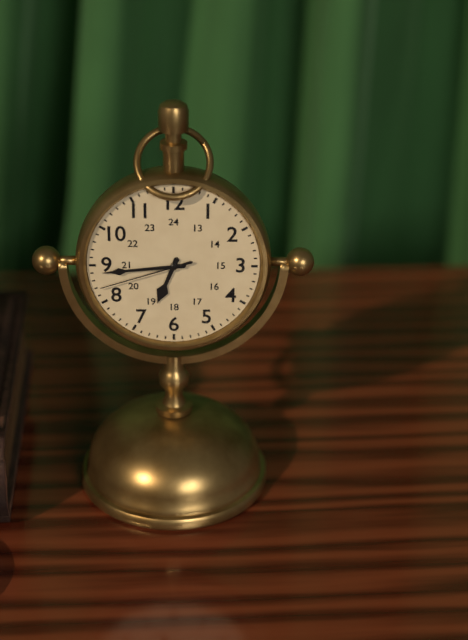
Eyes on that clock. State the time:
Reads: 6:44:42
